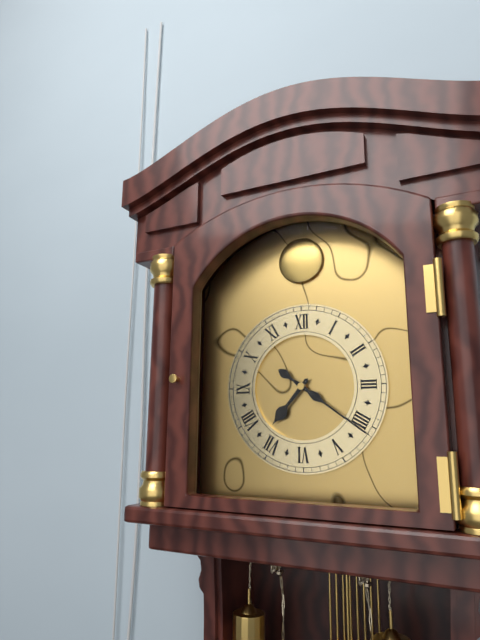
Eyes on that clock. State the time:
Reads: 7:21
